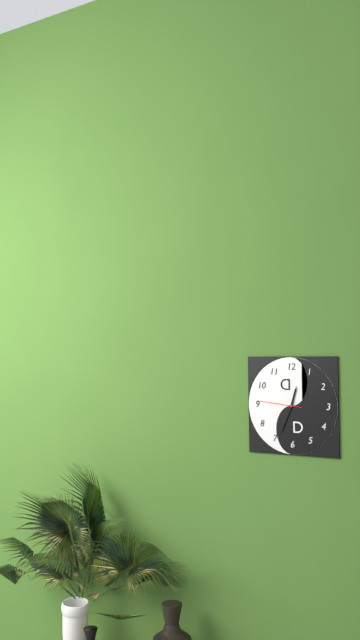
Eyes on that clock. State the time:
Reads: 12:34
